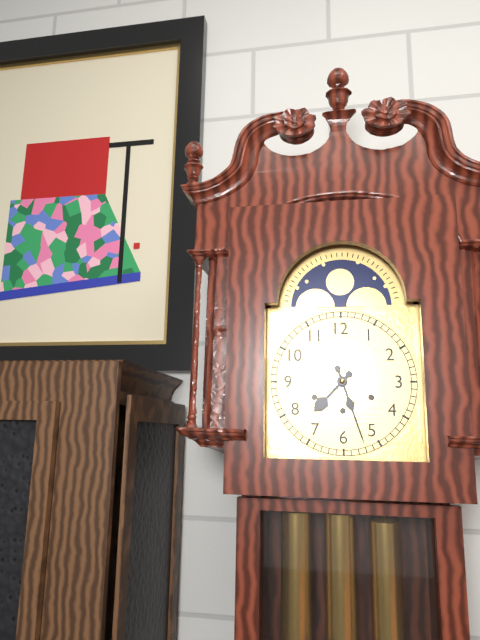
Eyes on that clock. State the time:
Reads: 7:27
